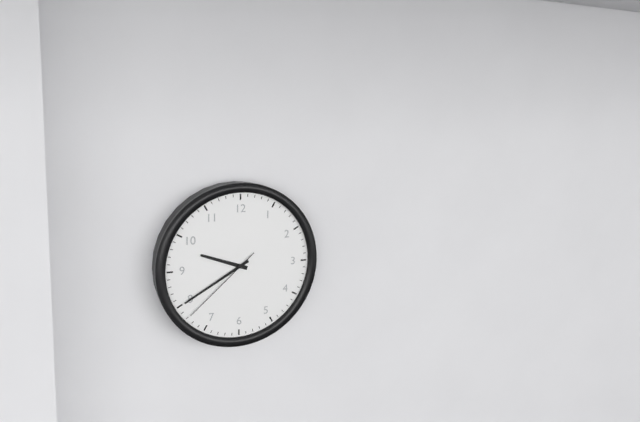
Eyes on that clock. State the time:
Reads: 9:40:38
